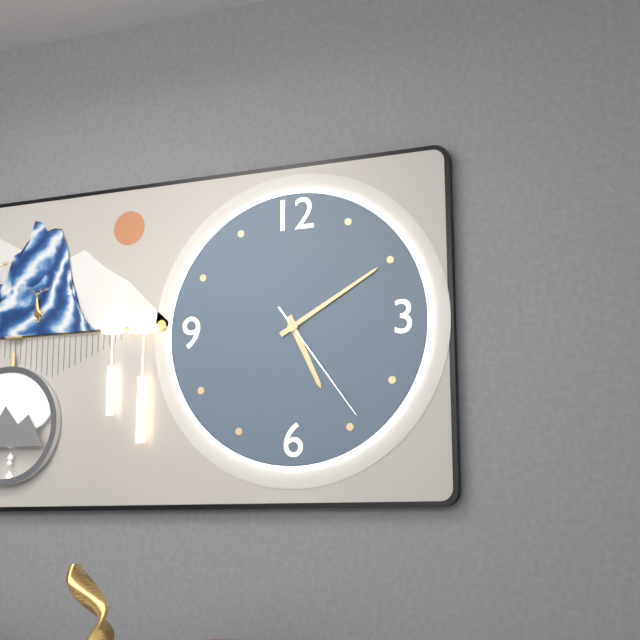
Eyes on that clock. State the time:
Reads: 5:10:24
